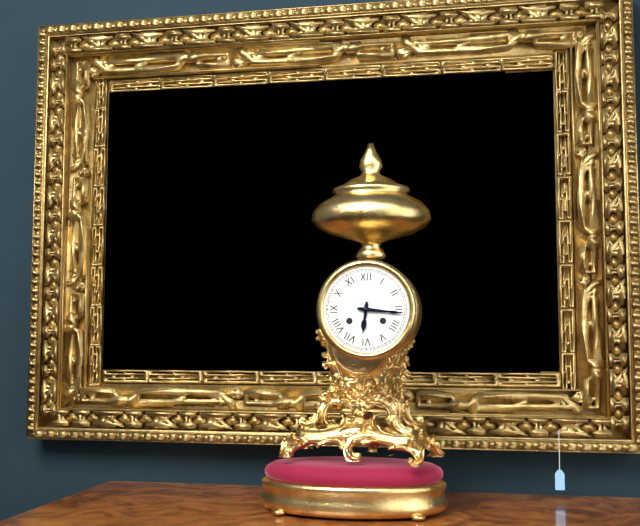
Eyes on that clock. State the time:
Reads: 6:16
